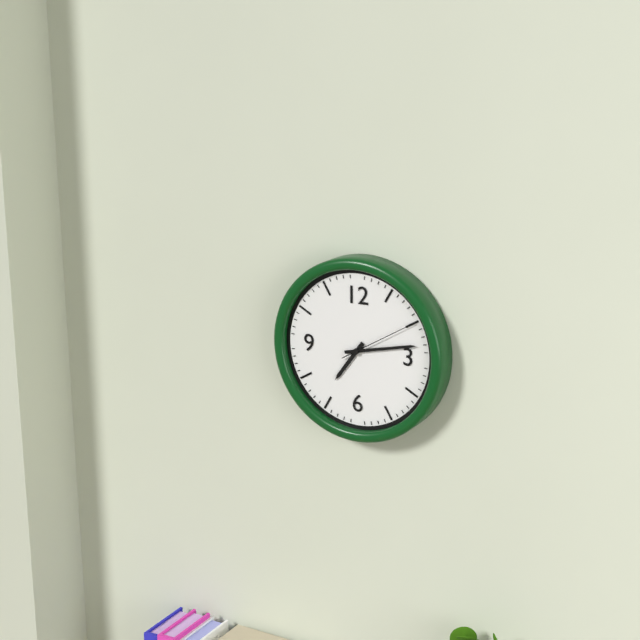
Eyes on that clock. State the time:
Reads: 7:13:10
